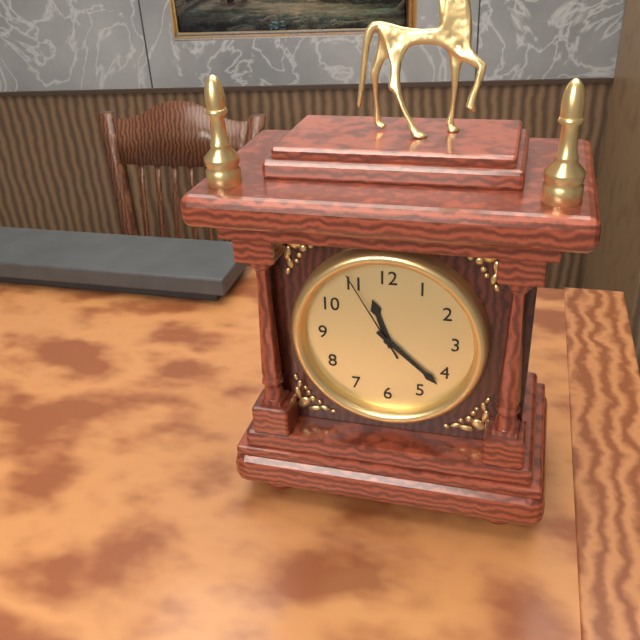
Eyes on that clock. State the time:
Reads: 11:22:55
